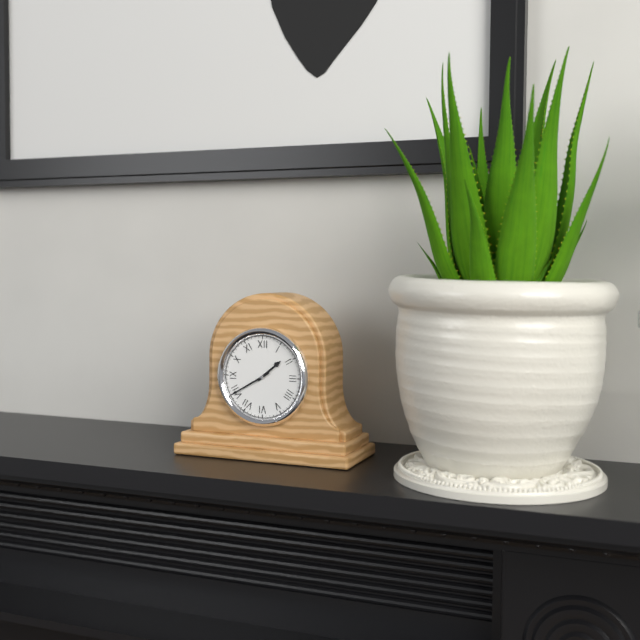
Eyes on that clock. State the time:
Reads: 1:40
